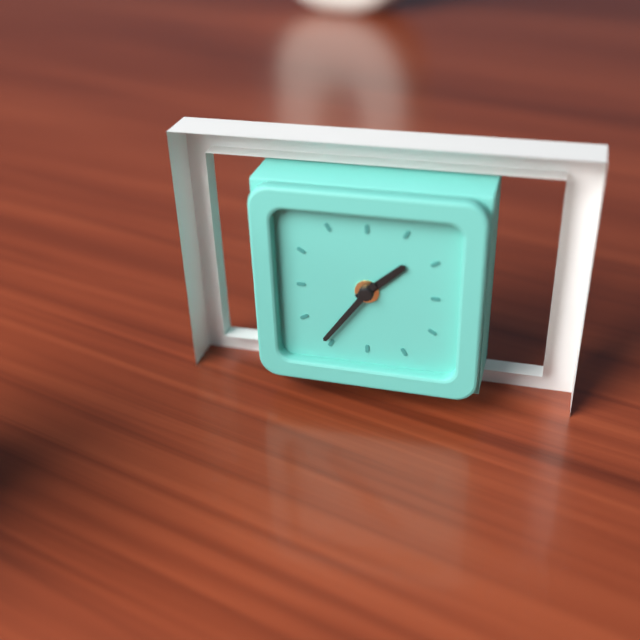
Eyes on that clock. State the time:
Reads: 1:36
